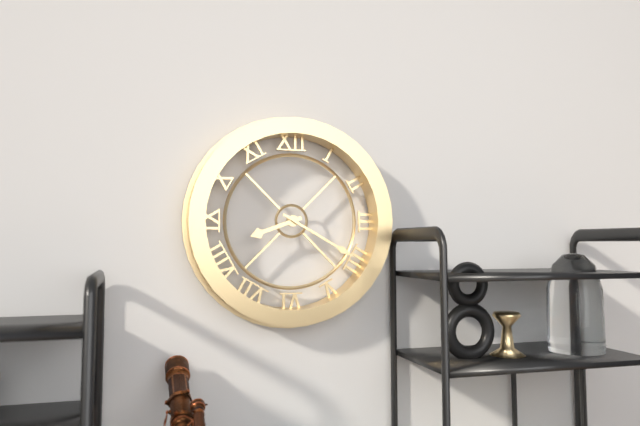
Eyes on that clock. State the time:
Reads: 8:20
